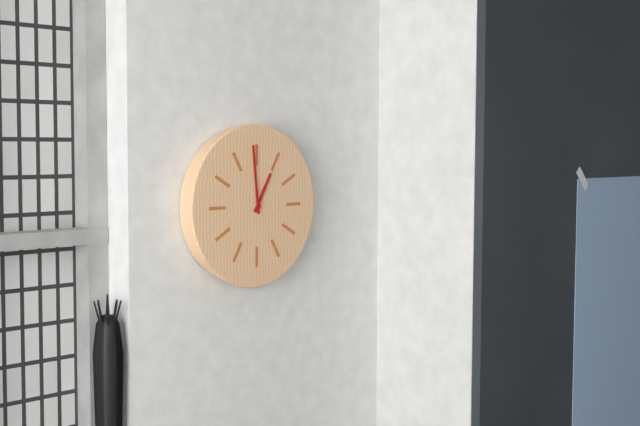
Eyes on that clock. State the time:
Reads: 12:59
